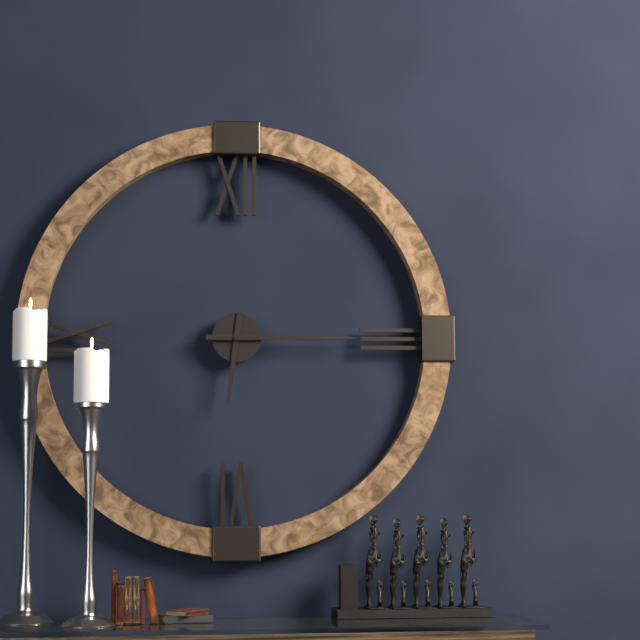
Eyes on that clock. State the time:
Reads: 6:15
